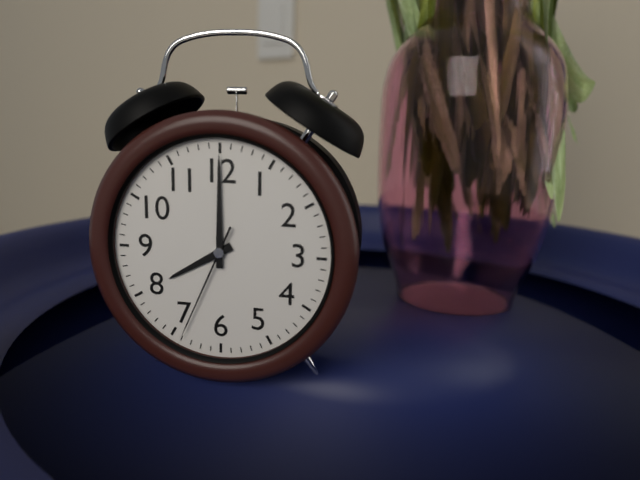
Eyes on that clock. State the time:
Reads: 8:00:34
